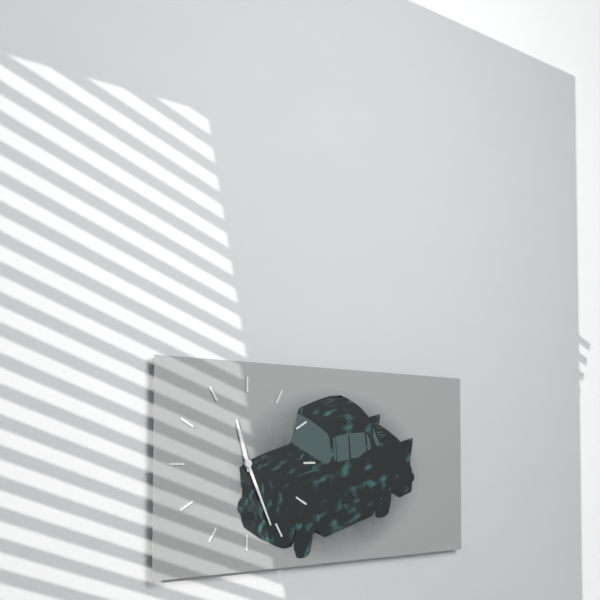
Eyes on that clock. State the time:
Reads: 11:26
